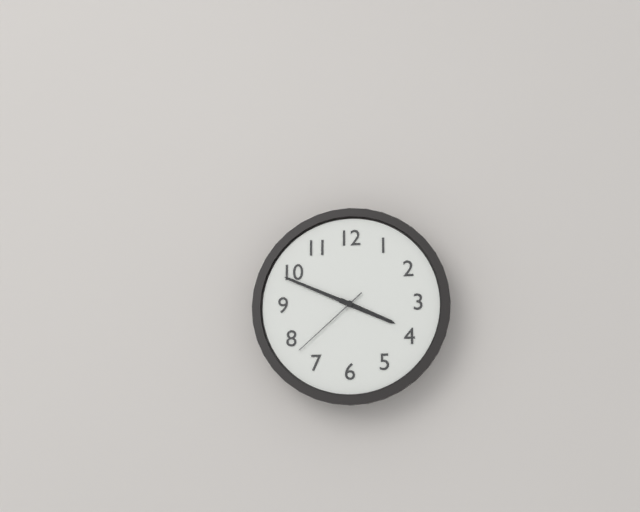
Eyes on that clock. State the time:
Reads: 3:49:38
